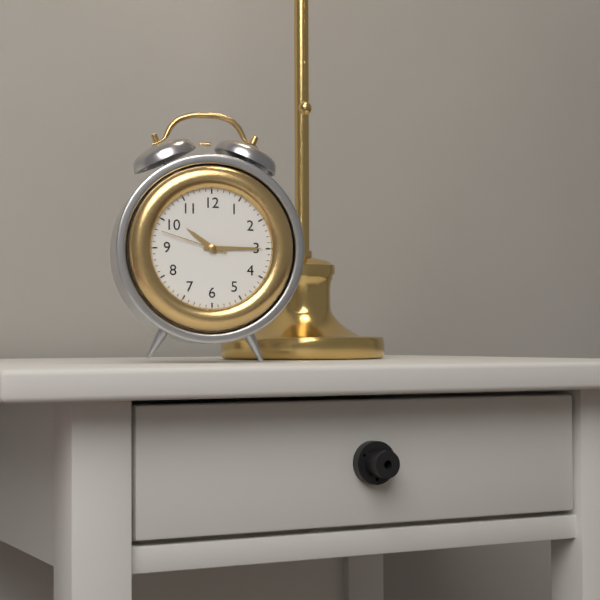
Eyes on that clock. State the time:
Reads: 10:15:48
